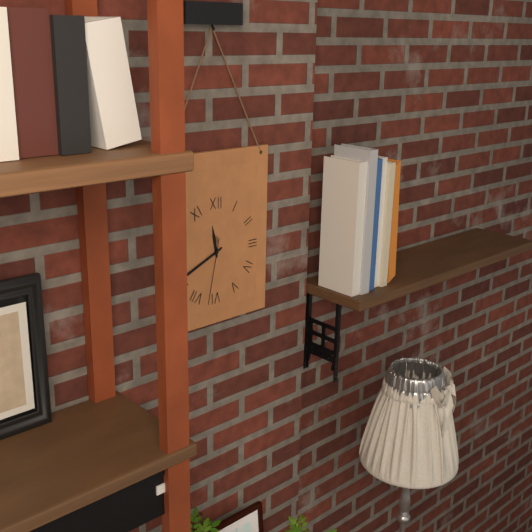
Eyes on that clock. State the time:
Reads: 11:41:32
